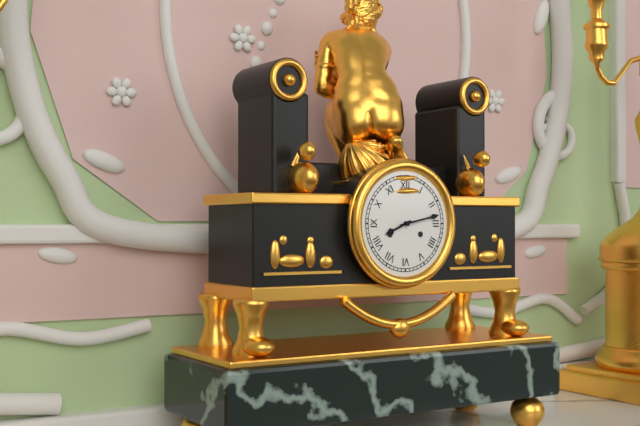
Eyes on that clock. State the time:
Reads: 8:13
